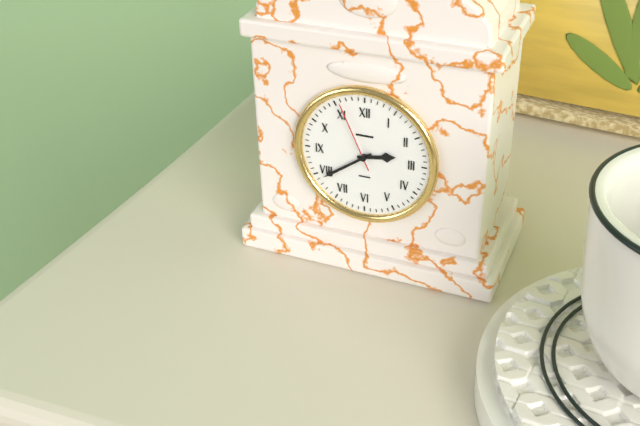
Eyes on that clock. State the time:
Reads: 2:39:56
